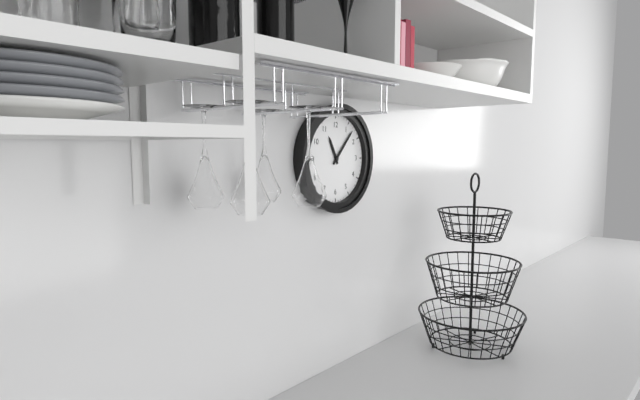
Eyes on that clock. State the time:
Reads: 11:07
